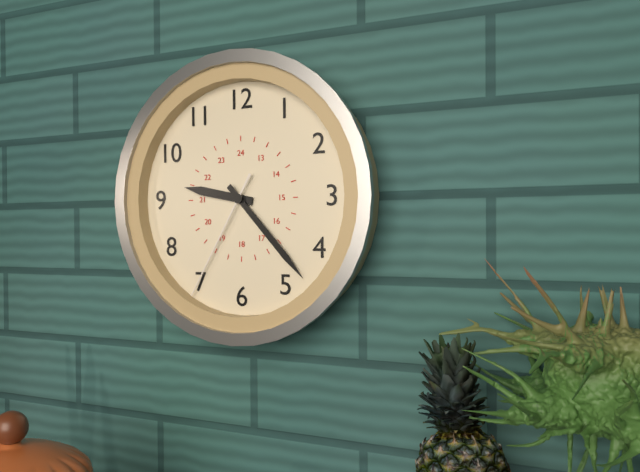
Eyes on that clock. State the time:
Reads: 9:23:35
